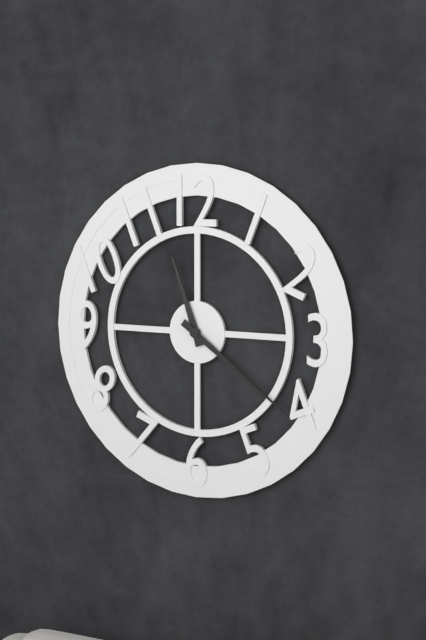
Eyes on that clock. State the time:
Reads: 11:21
